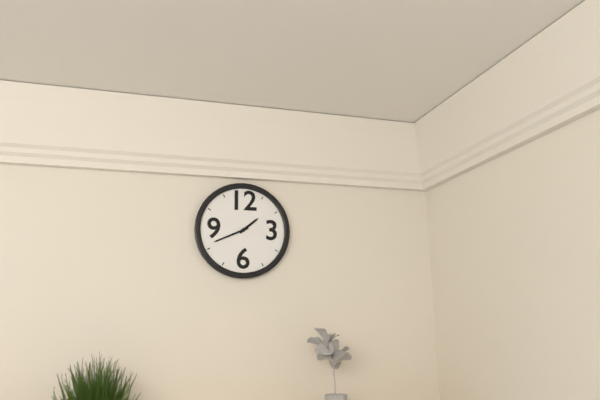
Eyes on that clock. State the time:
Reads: 1:41
